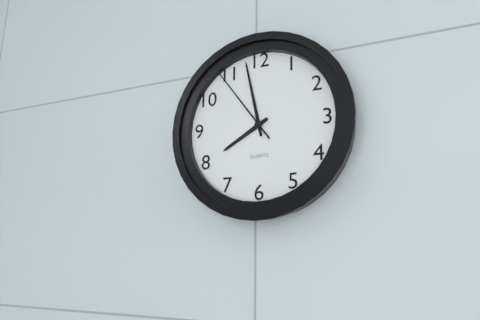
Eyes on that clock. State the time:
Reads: 7:58:54
